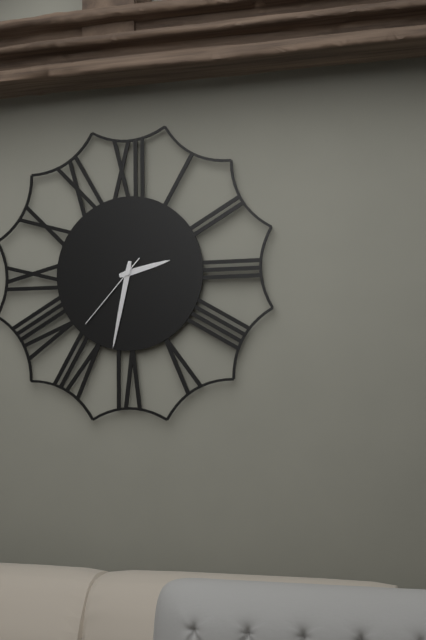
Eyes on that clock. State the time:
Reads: 2:32:37
